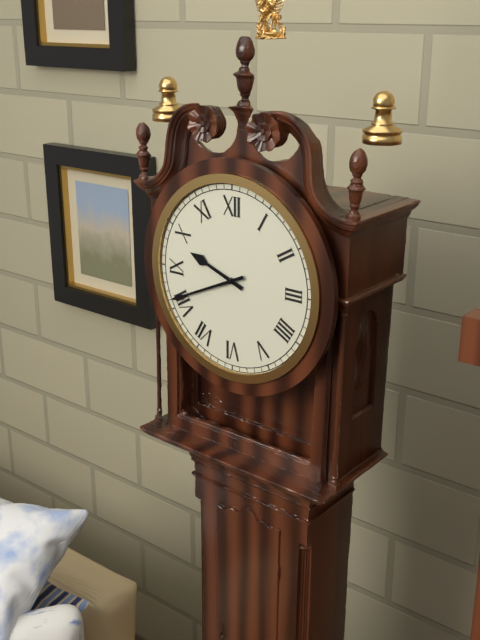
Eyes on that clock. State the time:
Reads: 9:41
